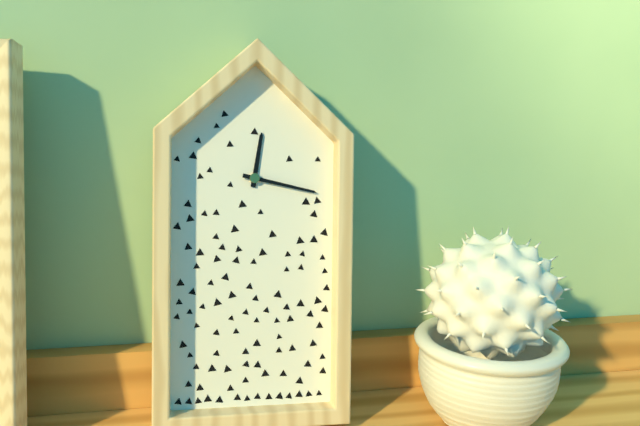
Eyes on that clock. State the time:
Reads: 12:17
